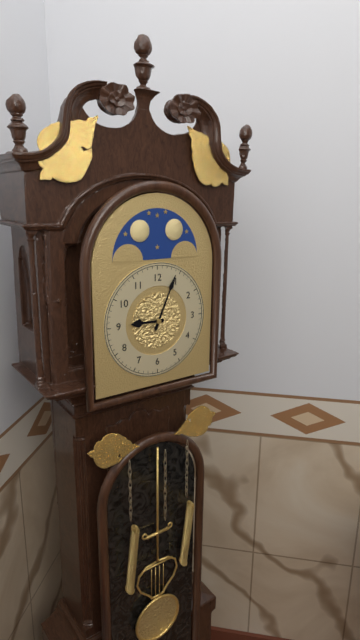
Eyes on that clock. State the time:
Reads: 9:04
